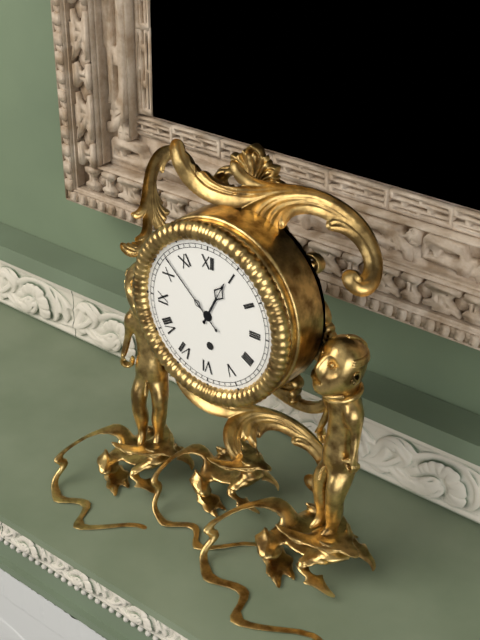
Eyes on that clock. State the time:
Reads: 12:52
